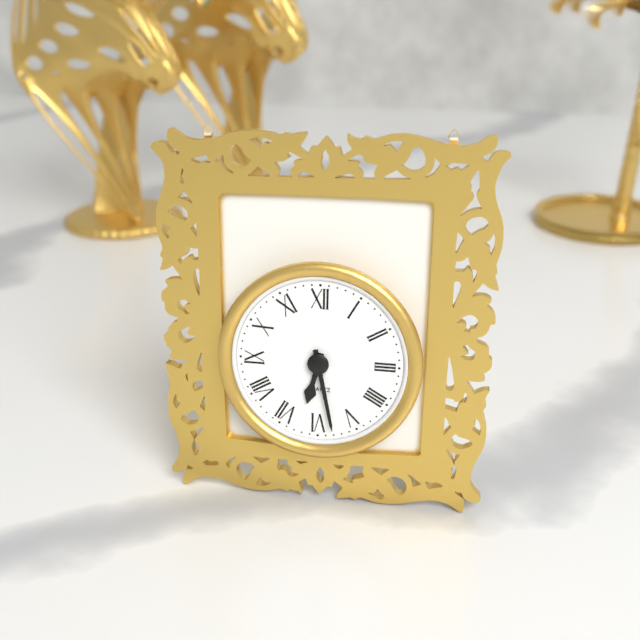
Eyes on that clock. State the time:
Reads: 6:28
